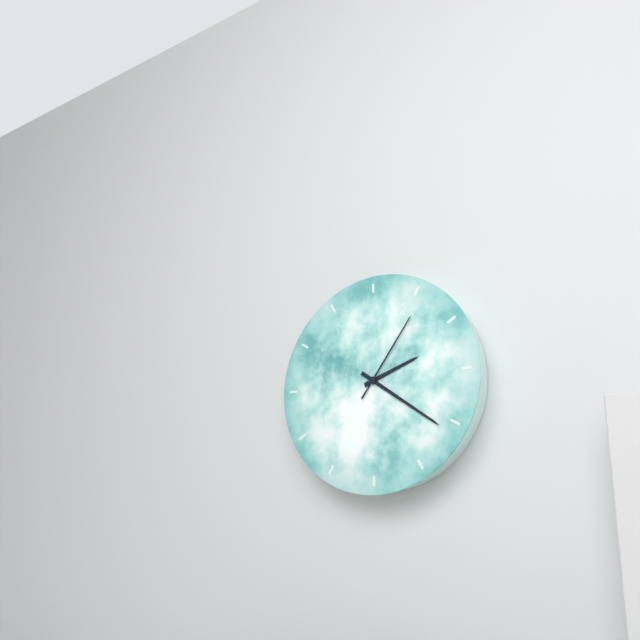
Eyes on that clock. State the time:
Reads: 2:21:06
